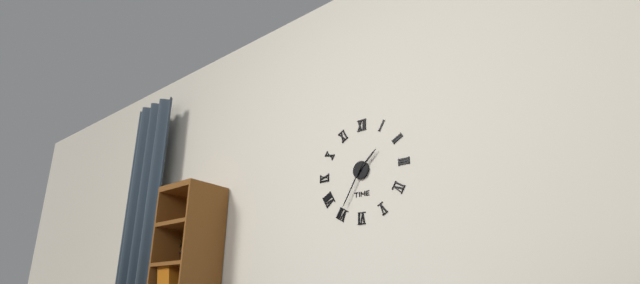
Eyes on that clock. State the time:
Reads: 1:35
